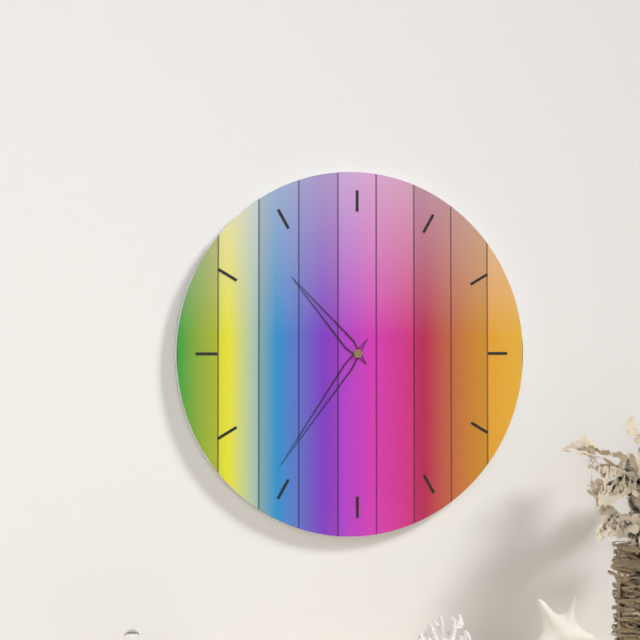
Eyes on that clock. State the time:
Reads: 10:36
